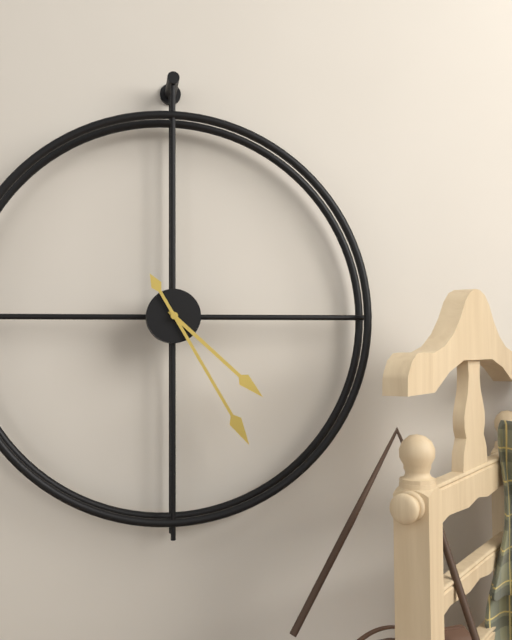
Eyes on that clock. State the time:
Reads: 4:25
